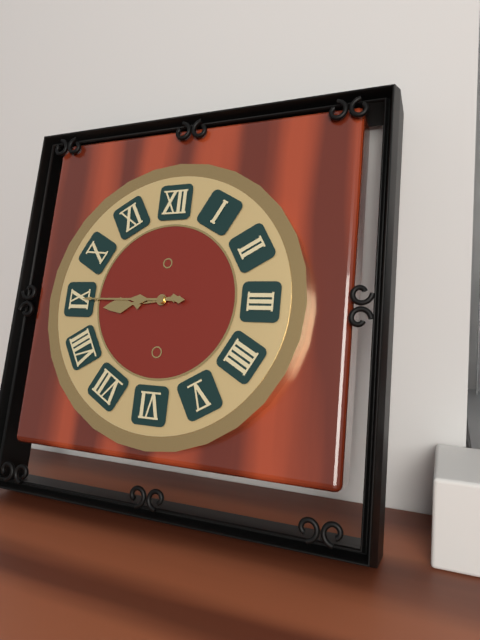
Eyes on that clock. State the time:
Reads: 8:45
